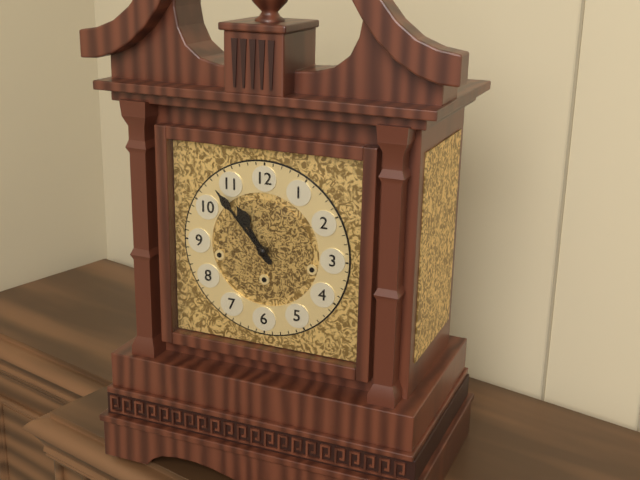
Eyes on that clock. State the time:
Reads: 10:53
